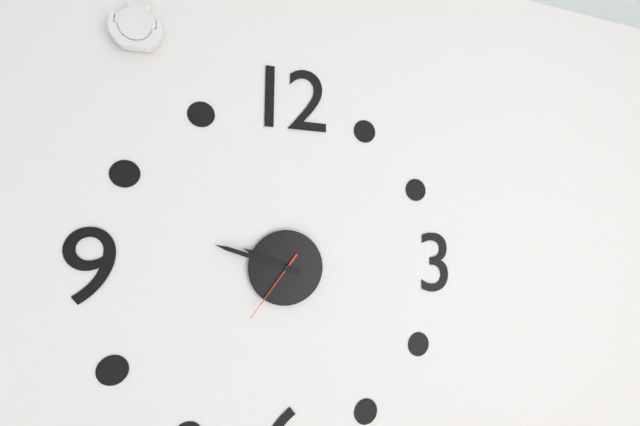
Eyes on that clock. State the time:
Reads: 9:48:36
